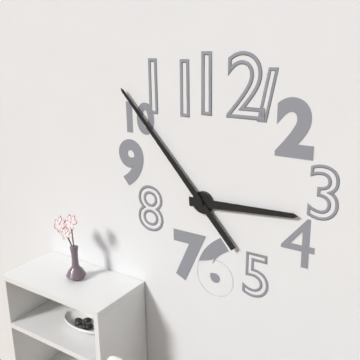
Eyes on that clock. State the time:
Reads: 2:53
